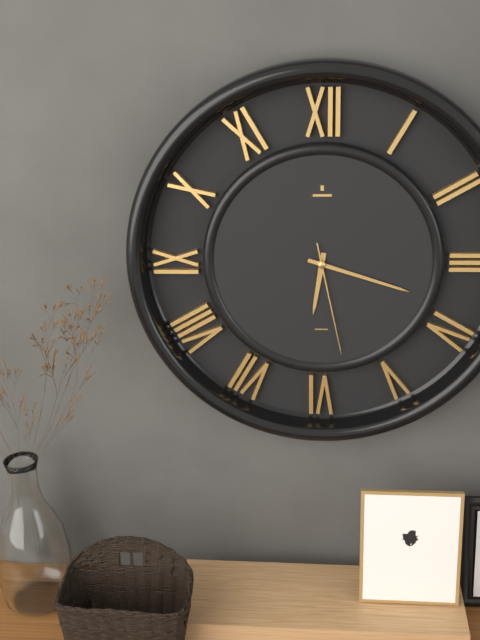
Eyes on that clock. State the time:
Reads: 6:18:28
